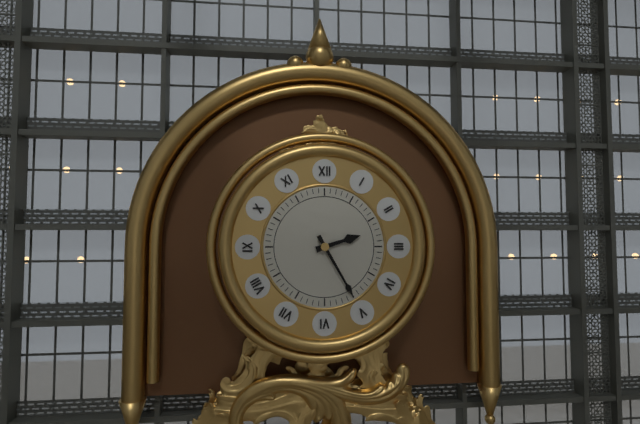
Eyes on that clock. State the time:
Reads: 2:25
